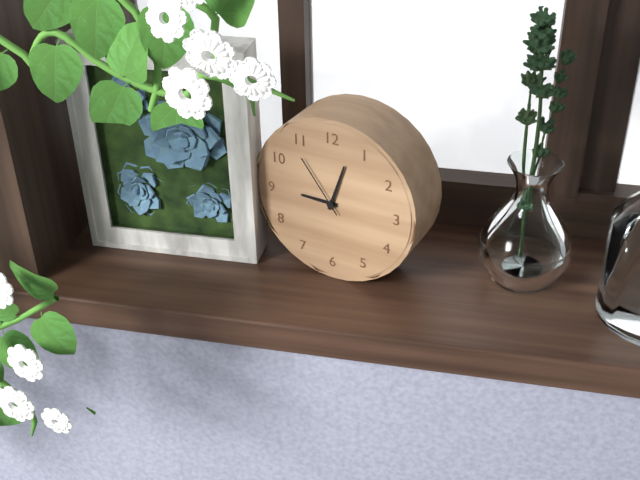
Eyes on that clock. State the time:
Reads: 9:03:54
